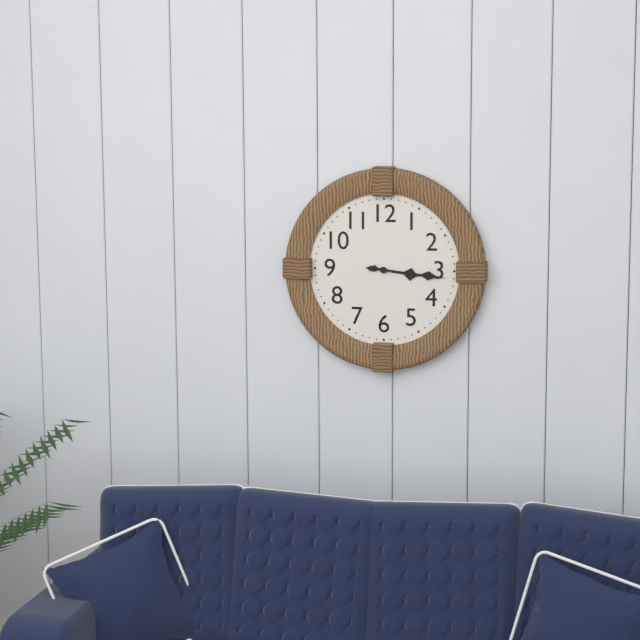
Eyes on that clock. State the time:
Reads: 3:16
